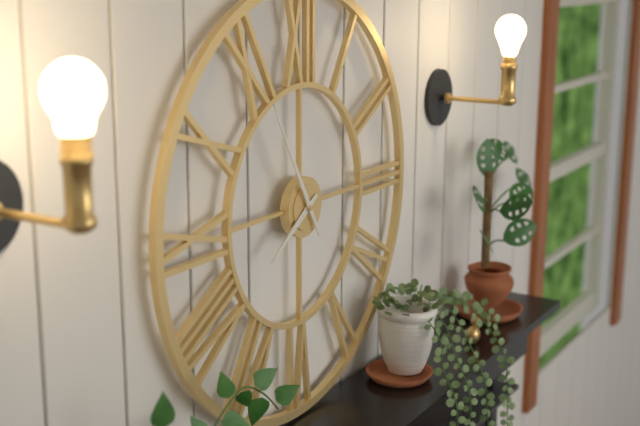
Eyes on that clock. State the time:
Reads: 7:55
